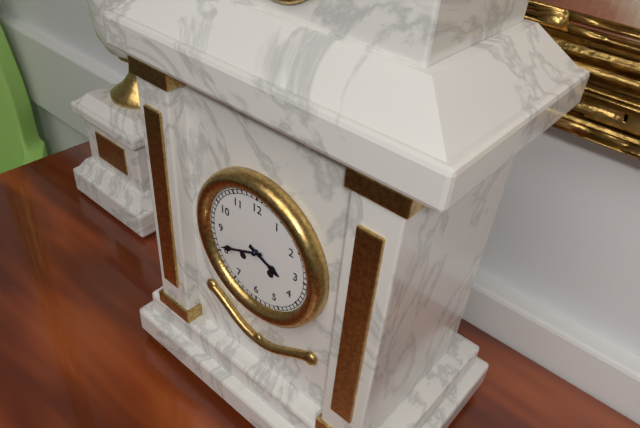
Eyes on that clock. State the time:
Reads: 3:41
